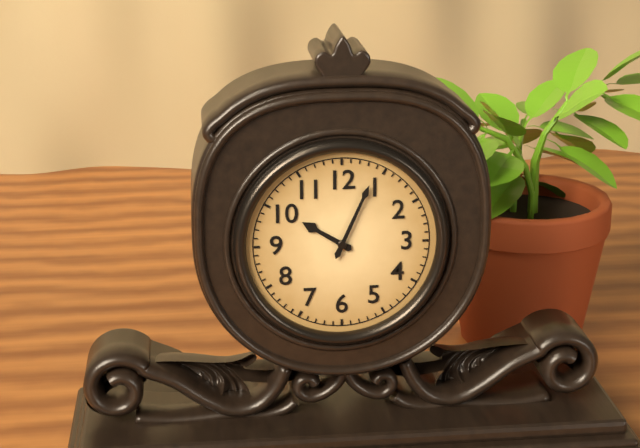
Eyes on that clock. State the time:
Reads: 10:04
